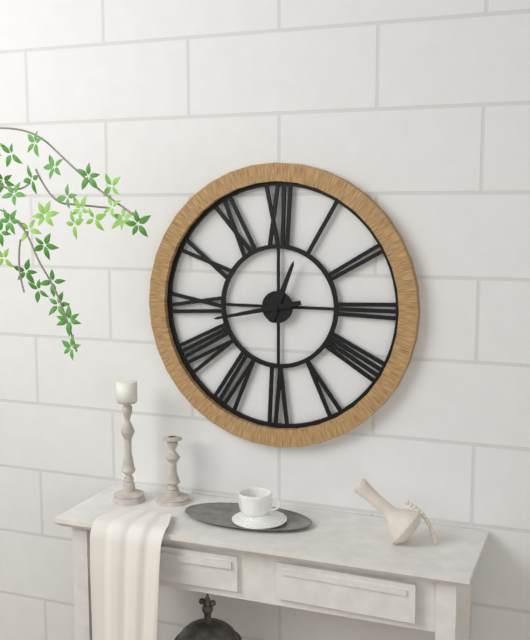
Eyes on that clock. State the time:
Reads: 12:43
